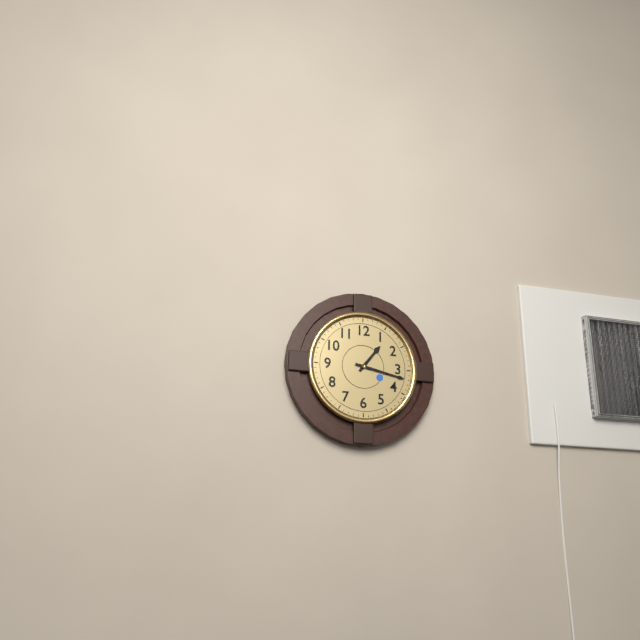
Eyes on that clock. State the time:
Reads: 1:17
